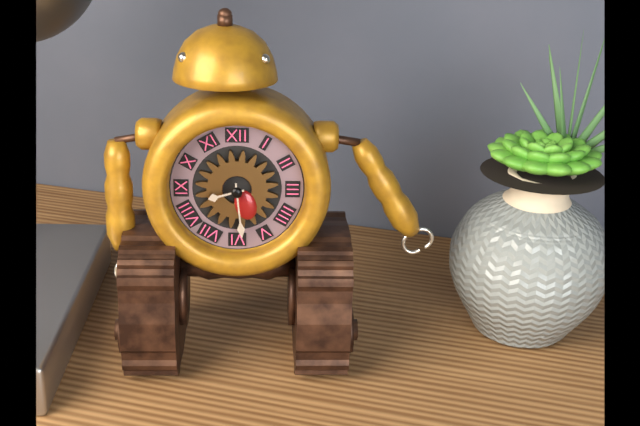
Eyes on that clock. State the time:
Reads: 8:29
